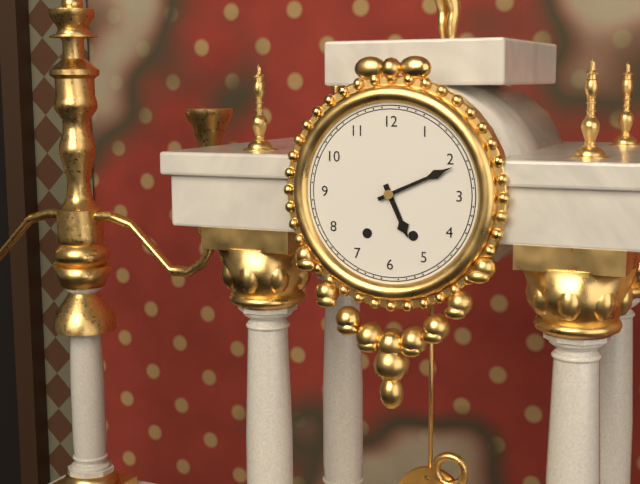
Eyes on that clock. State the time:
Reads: 5:11
